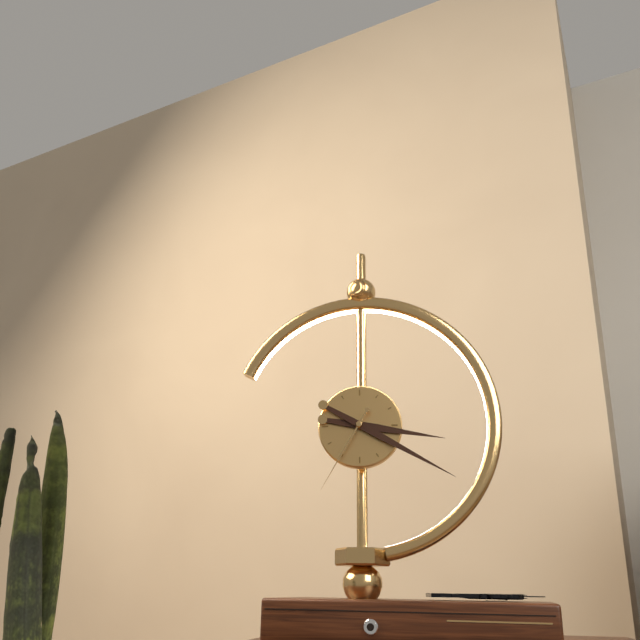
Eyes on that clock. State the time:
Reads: 3:20:35
